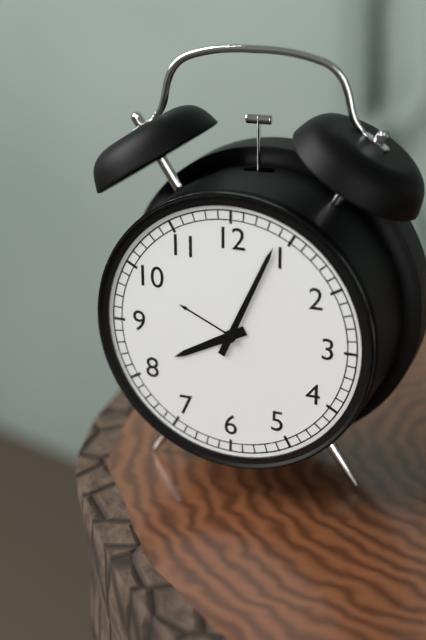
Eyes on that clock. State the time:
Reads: 8:04
